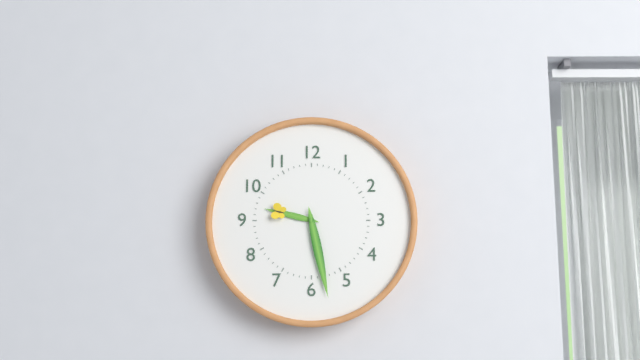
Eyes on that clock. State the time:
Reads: 9:28
